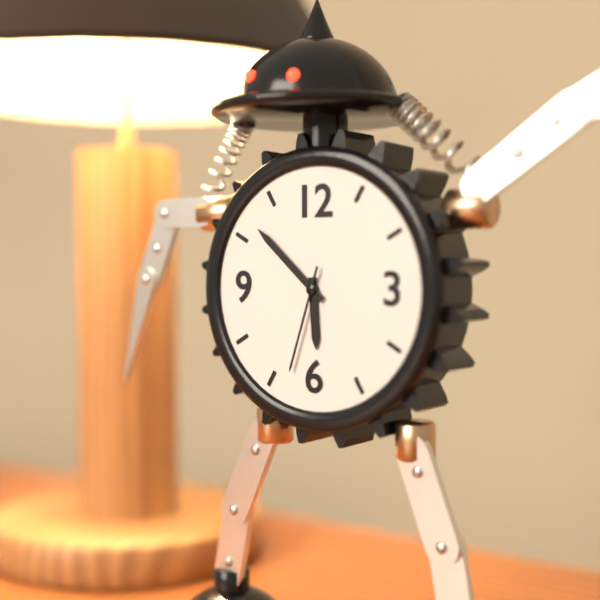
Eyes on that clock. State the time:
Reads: 5:52:33
